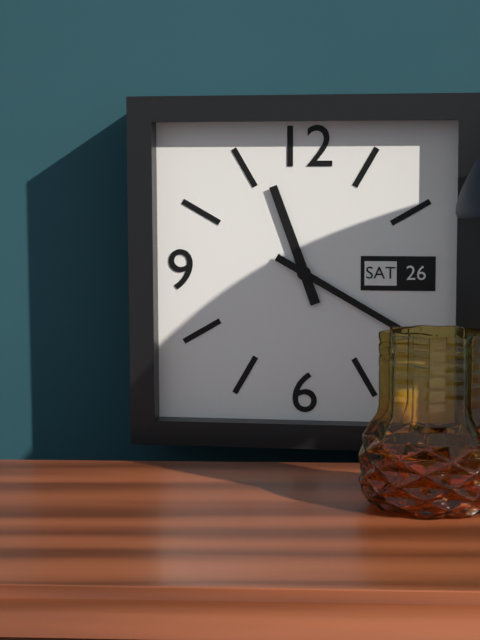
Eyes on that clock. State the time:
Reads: 11:20
